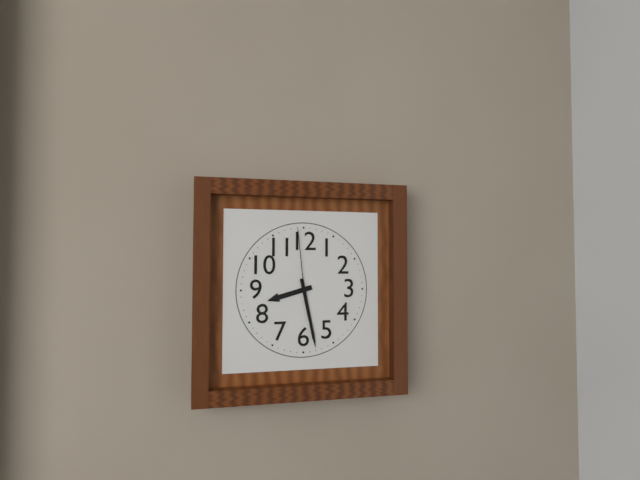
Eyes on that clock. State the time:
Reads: 8:28:59
